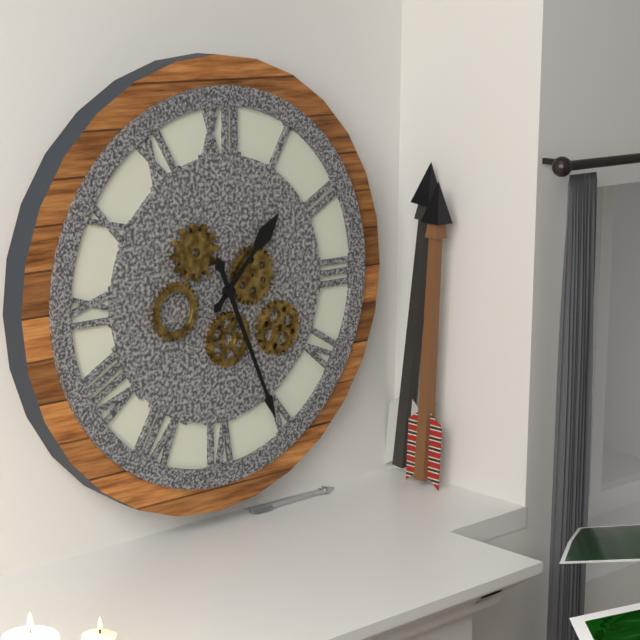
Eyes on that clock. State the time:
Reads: 1:26
